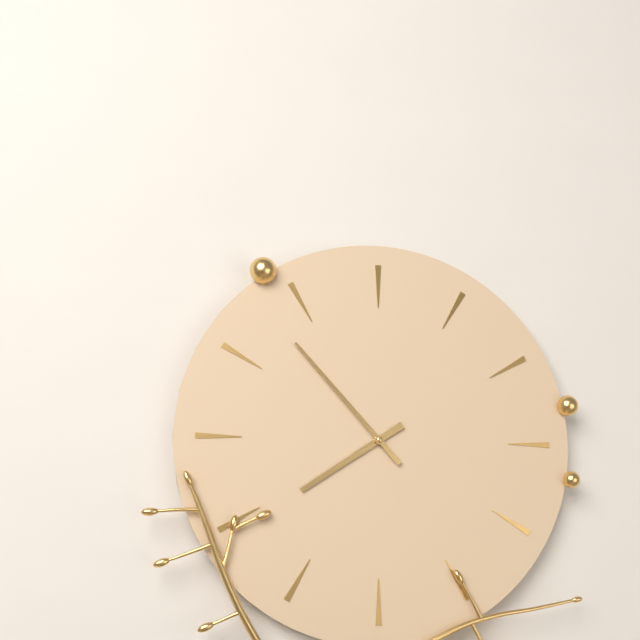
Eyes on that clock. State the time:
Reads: 7:53
